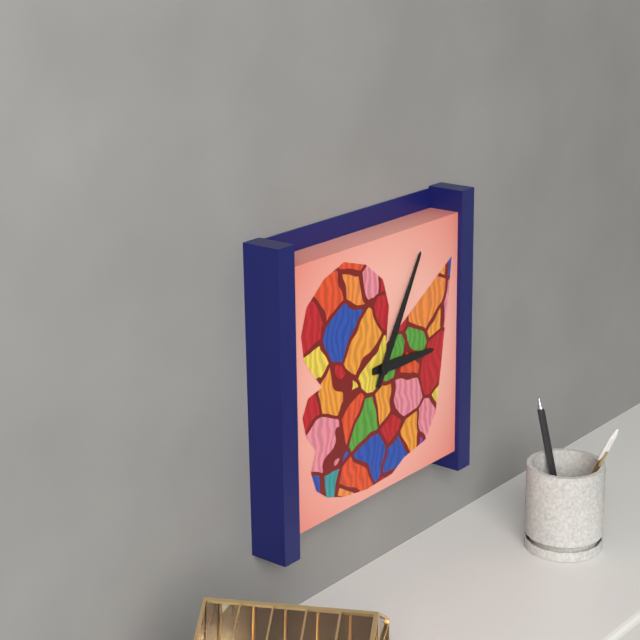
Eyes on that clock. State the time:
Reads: 3:05
